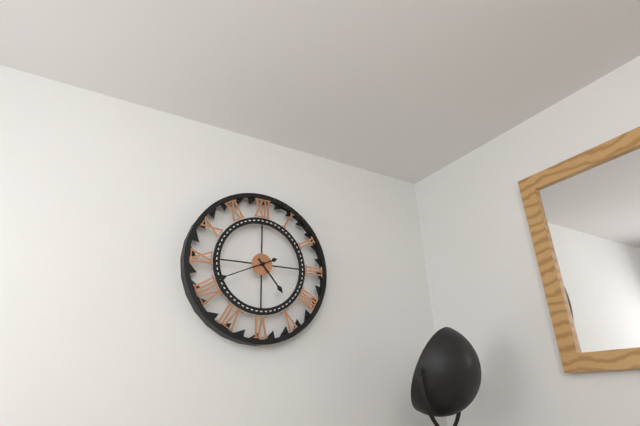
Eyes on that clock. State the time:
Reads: 4:41
